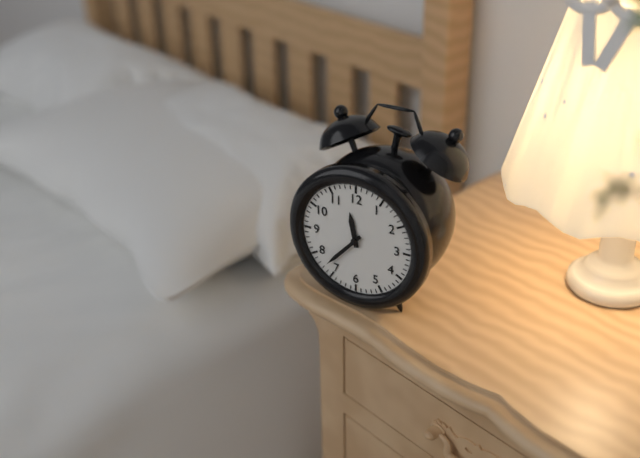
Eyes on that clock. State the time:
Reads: 11:37
